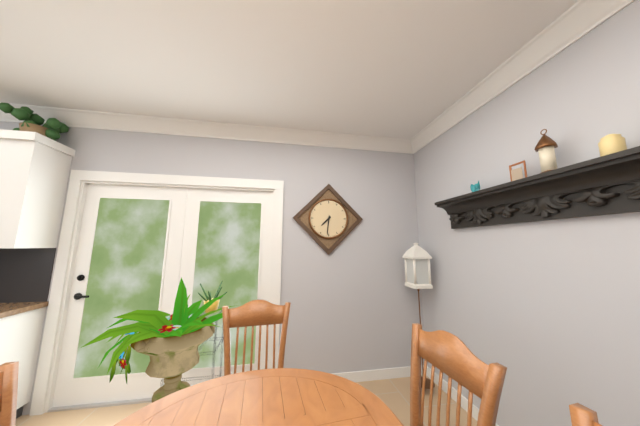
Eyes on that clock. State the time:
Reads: 7:31
